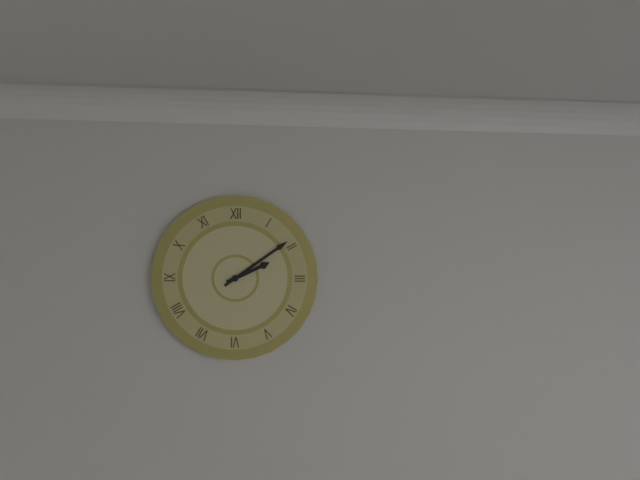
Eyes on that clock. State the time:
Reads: 2:09
